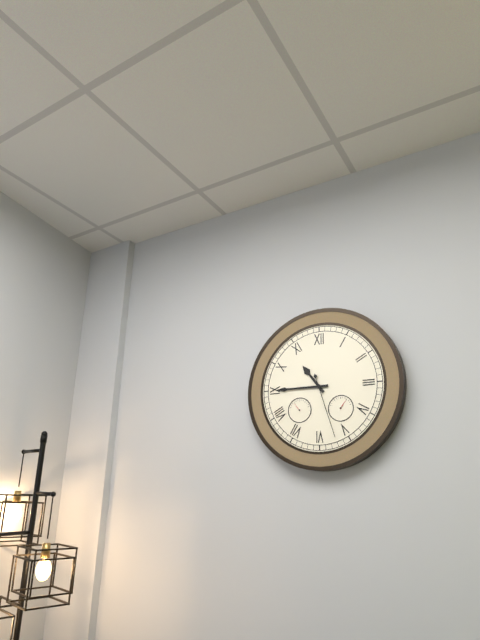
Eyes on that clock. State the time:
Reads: 10:45:27
